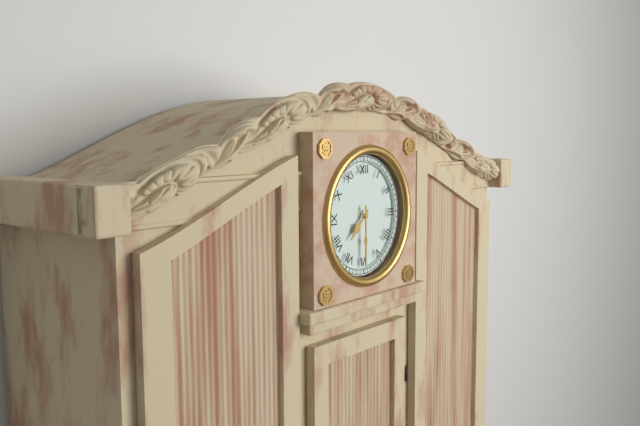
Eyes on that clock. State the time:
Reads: 7:30
